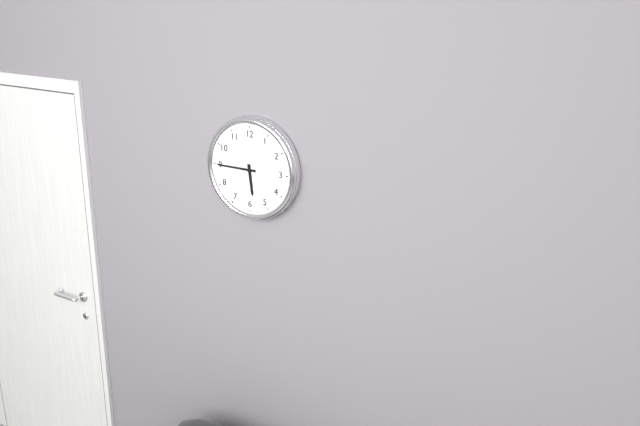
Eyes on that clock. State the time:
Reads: 5:45
